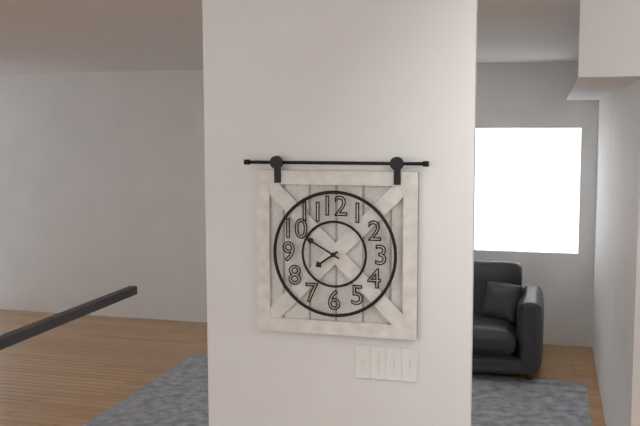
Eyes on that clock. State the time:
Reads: 7:50
